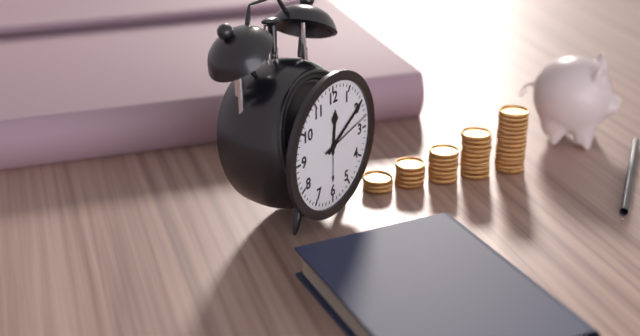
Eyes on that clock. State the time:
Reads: 12:10:13
